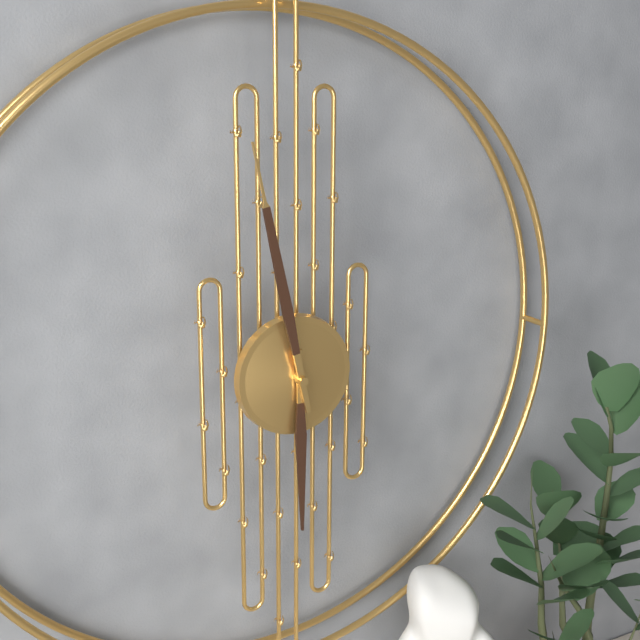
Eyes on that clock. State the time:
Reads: 5:58
